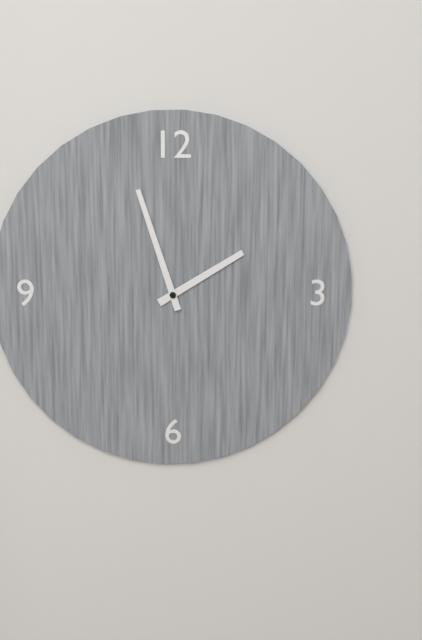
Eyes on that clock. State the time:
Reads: 1:57
